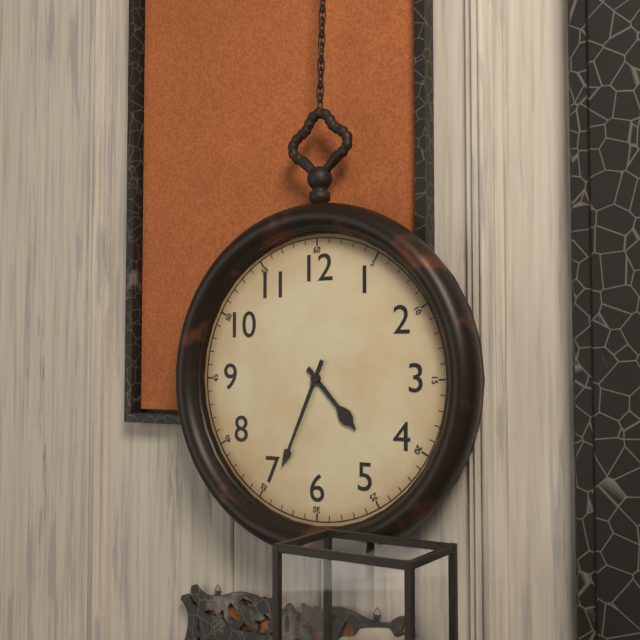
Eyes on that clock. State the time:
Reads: 4:34
